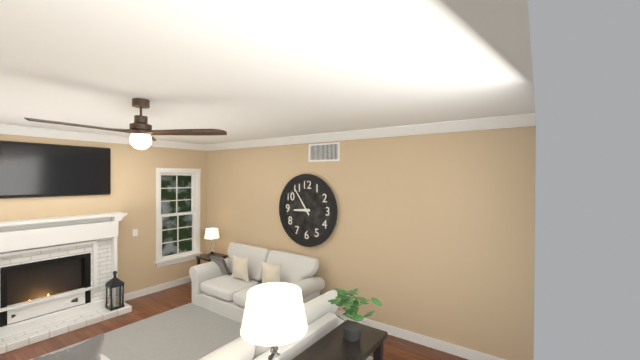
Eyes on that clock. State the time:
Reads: 8:54
